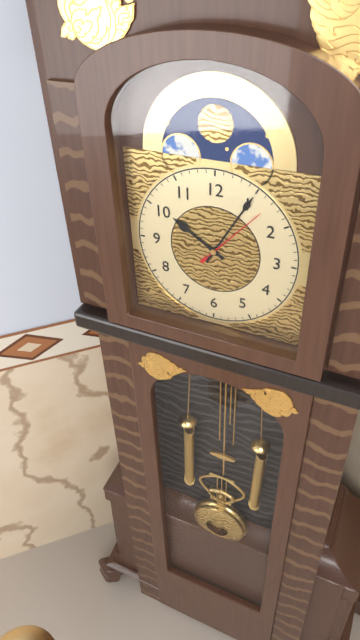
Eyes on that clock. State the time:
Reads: 10:05:07
